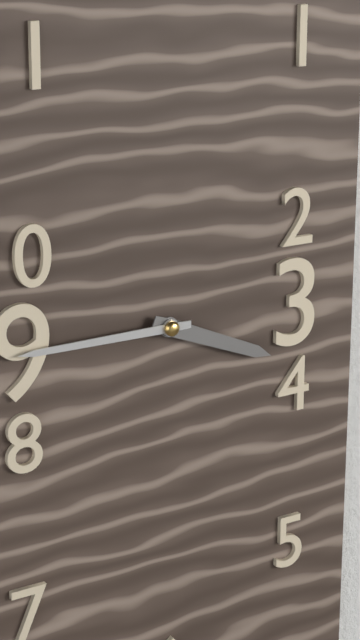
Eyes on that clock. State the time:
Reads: 3:45
